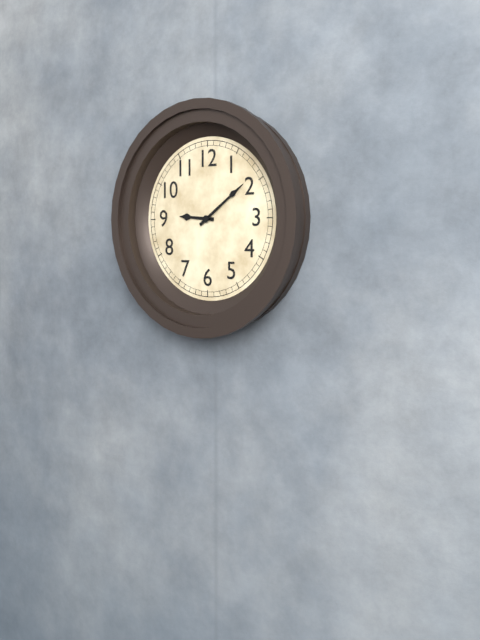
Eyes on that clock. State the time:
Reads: 9:09
